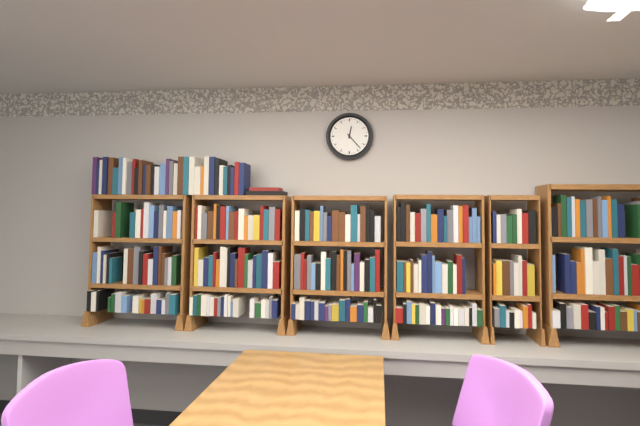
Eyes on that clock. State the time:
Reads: 12:23
